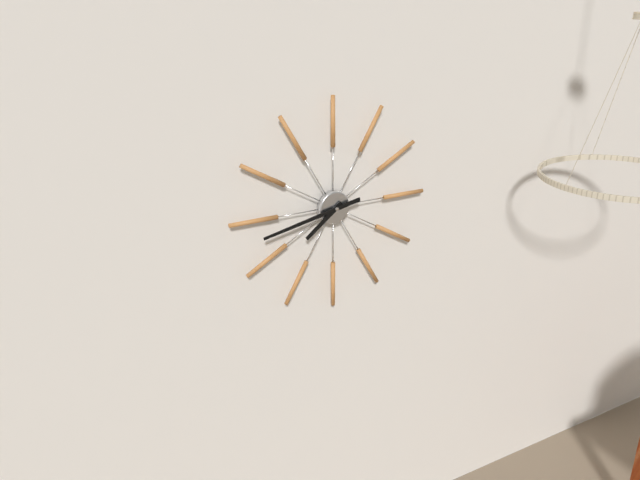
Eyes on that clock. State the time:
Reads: 7:43
